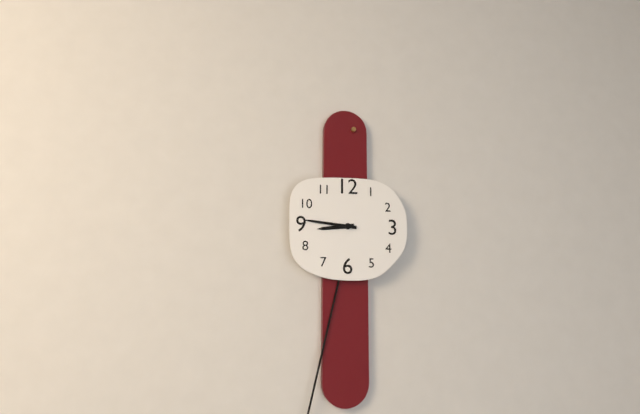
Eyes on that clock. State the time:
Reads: 8:46
